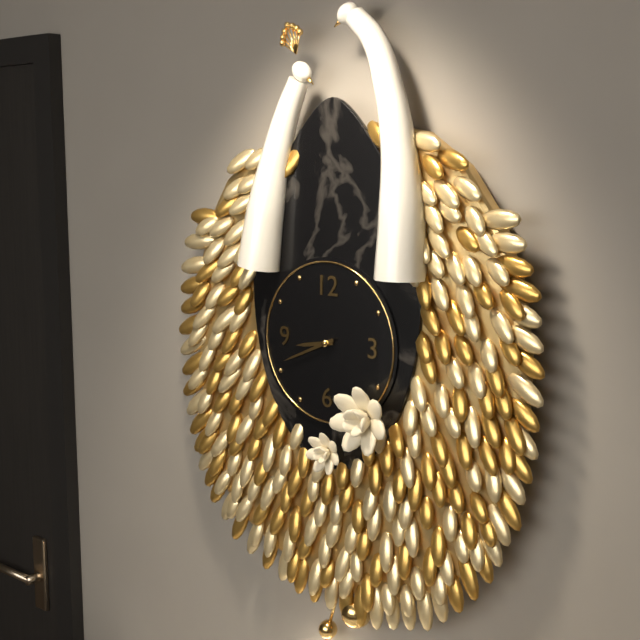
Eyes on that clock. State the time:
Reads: 8:41
